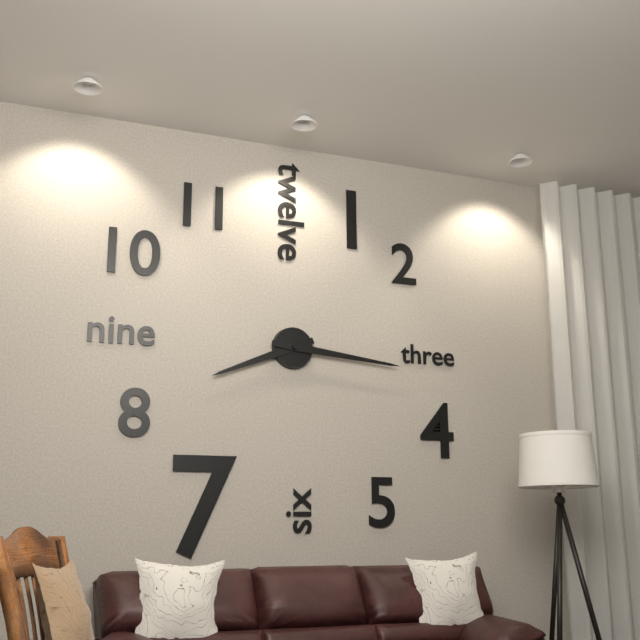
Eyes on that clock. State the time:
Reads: 8:16
